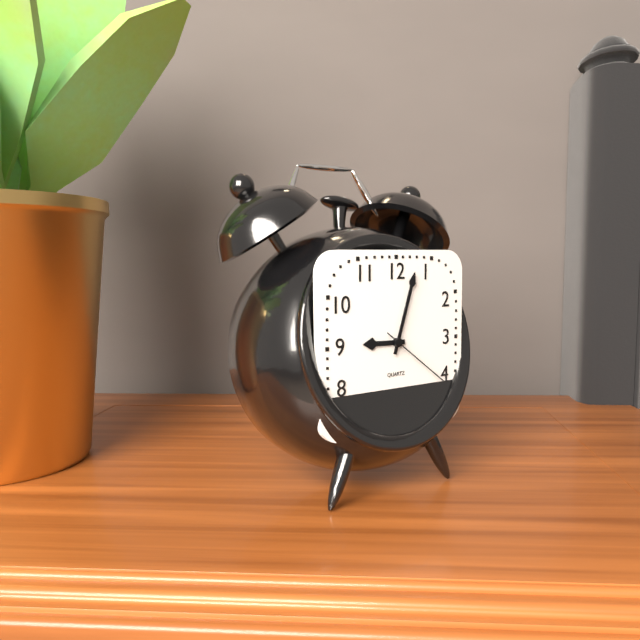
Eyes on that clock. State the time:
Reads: 9:03:21
